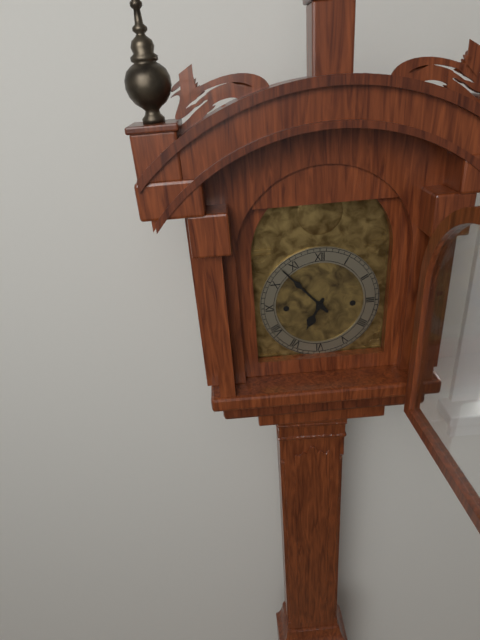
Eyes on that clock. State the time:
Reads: 6:53
